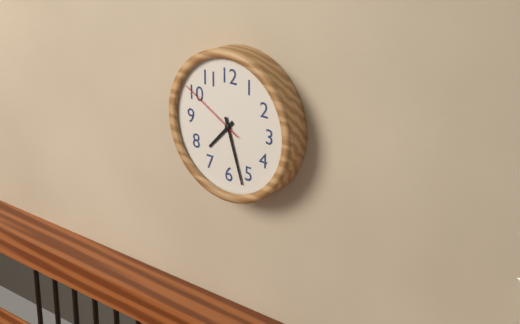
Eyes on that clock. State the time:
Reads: 7:27:50
